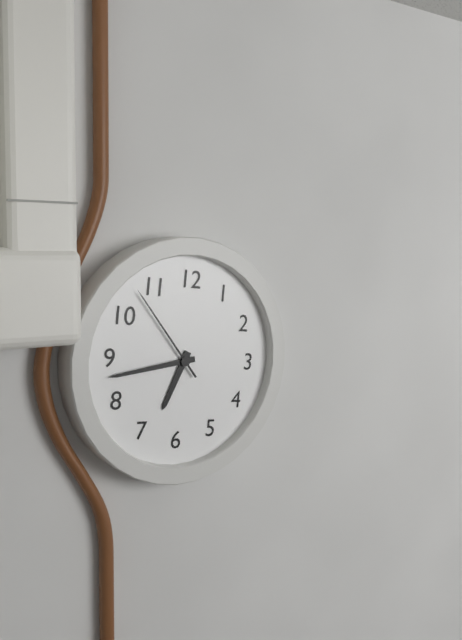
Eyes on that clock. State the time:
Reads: 6:43:53
